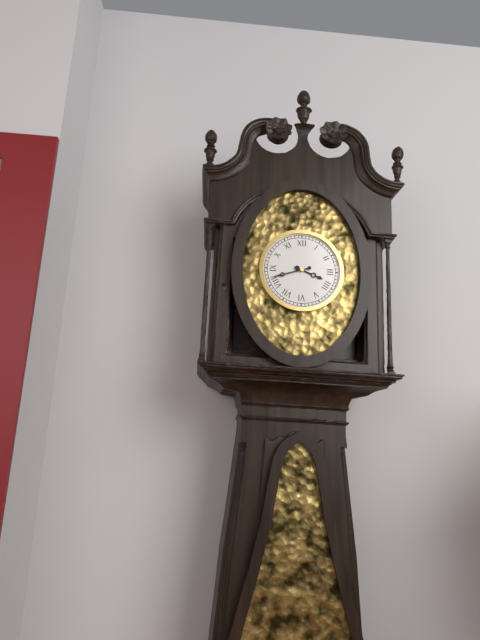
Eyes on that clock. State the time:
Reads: 3:42
